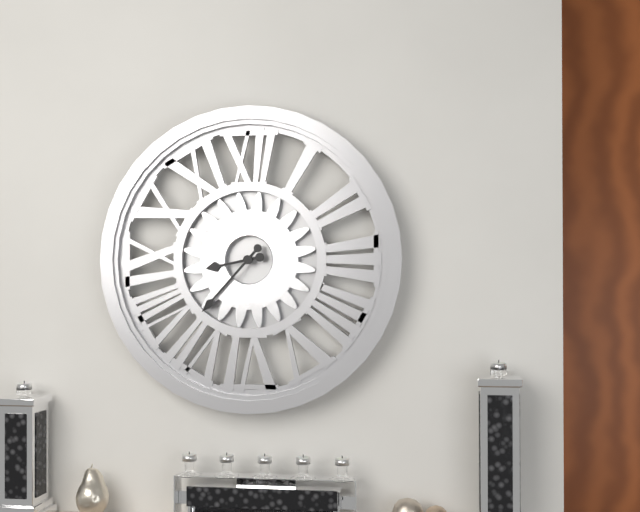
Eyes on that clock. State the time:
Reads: 8:37
